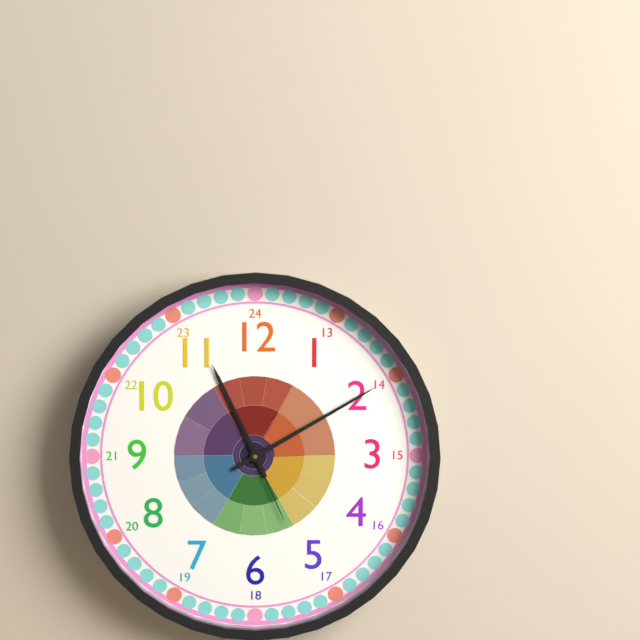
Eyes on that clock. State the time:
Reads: 11:10:26
